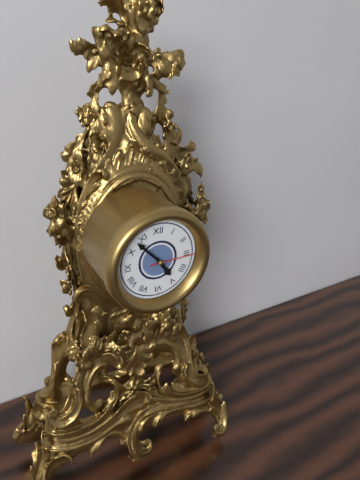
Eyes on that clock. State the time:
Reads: 4:53
